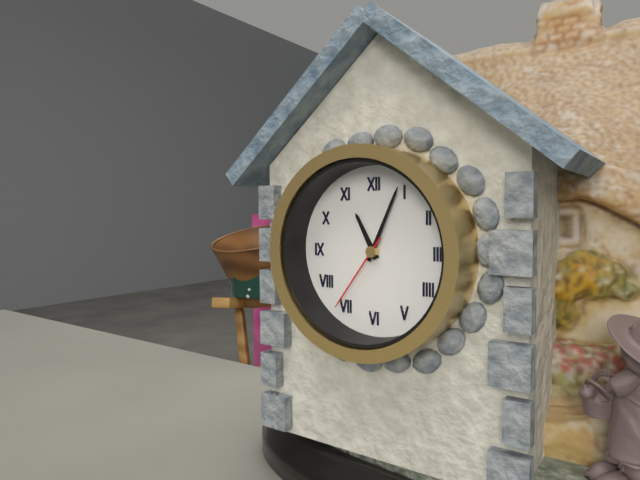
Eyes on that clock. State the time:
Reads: 11:04:36
